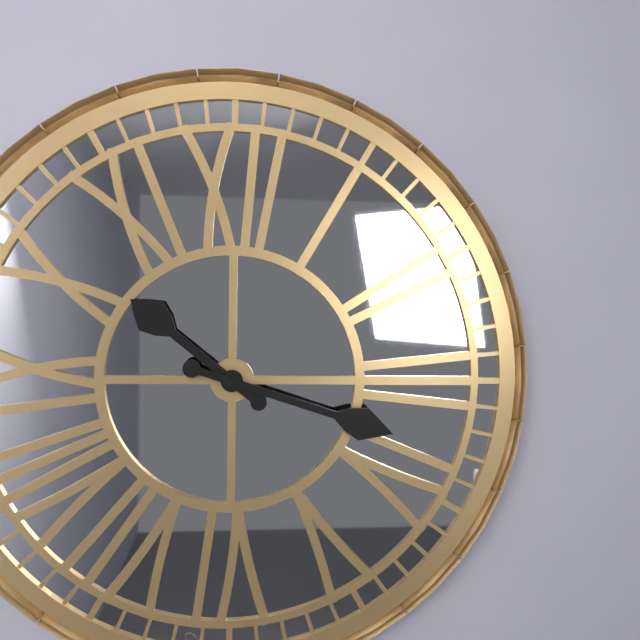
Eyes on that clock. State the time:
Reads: 10:18
